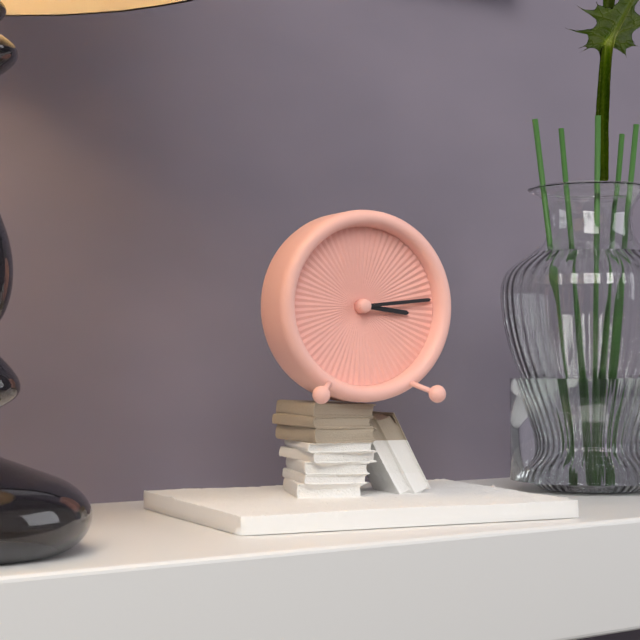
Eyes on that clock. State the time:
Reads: 3:14
